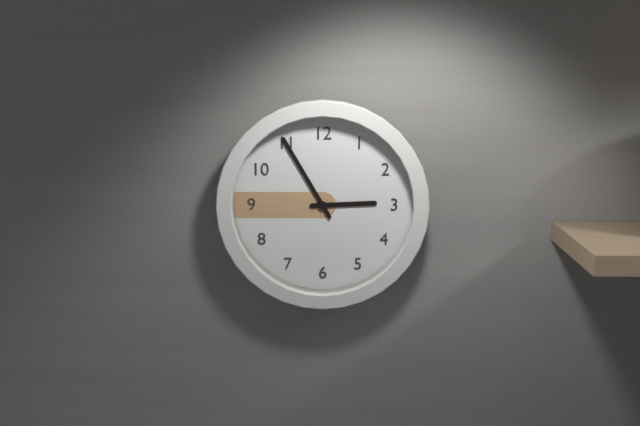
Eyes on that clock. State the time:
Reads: 2:55
